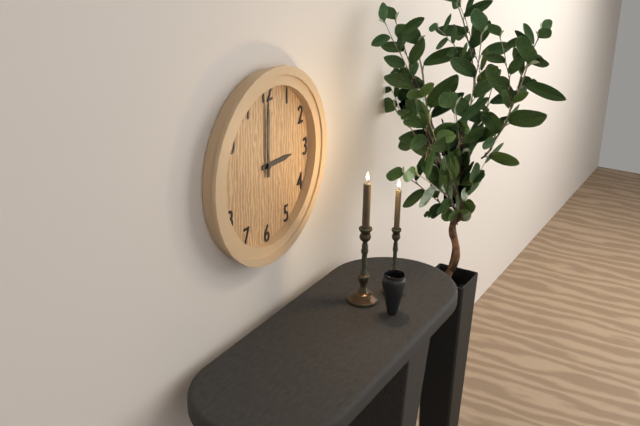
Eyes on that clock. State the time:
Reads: 3:00
